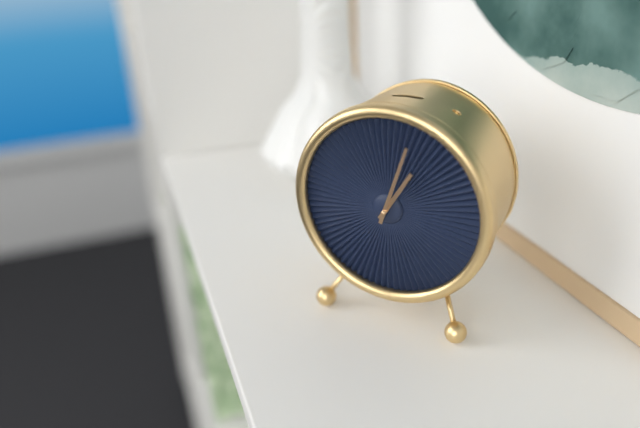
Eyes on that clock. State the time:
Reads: 1:03
